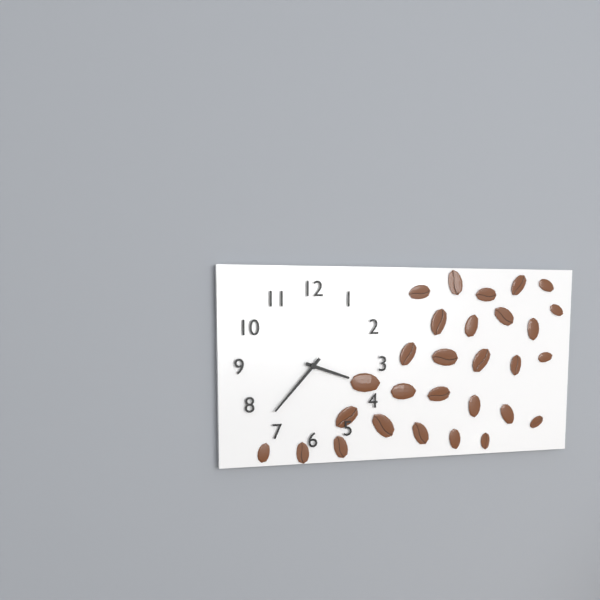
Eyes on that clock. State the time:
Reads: 3:37
